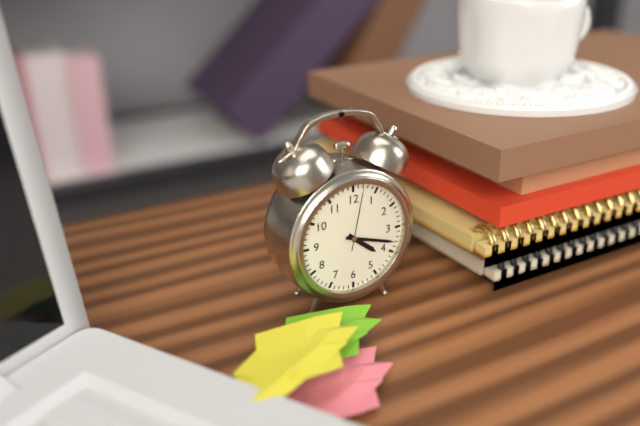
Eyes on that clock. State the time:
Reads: 4:18:02
